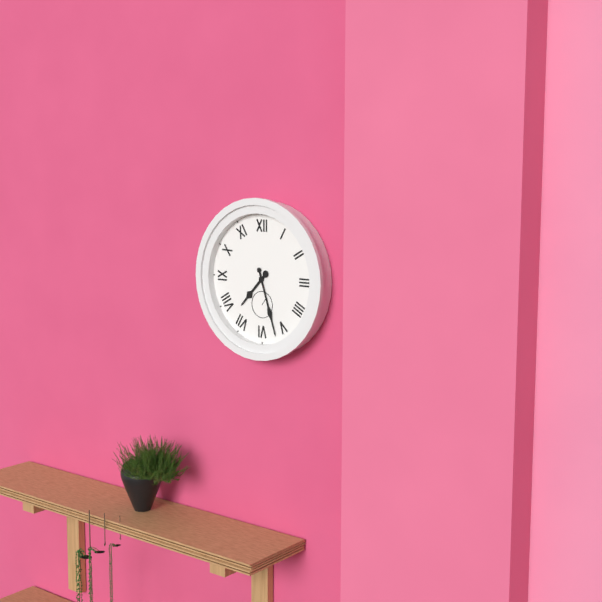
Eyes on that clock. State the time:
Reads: 7:27
